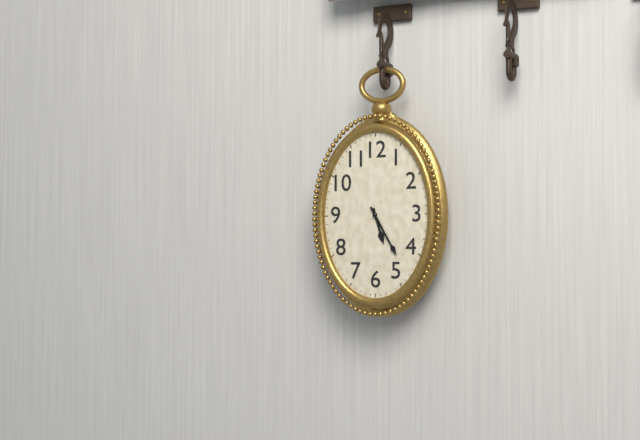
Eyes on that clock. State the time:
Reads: 5:25
